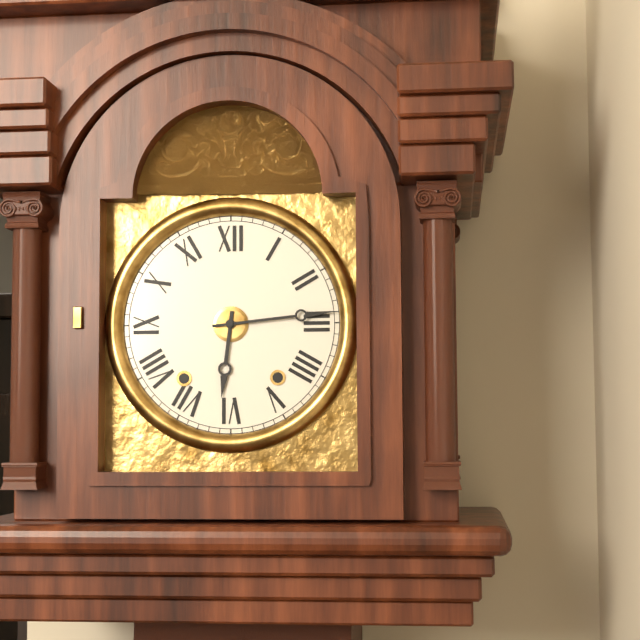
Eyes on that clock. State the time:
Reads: 6:14
